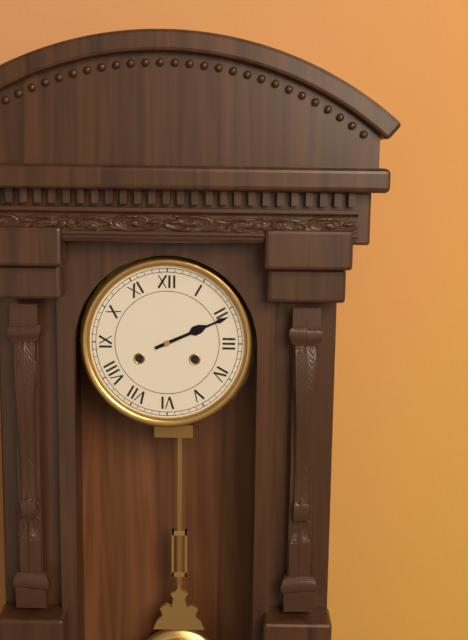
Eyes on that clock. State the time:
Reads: 2:11
